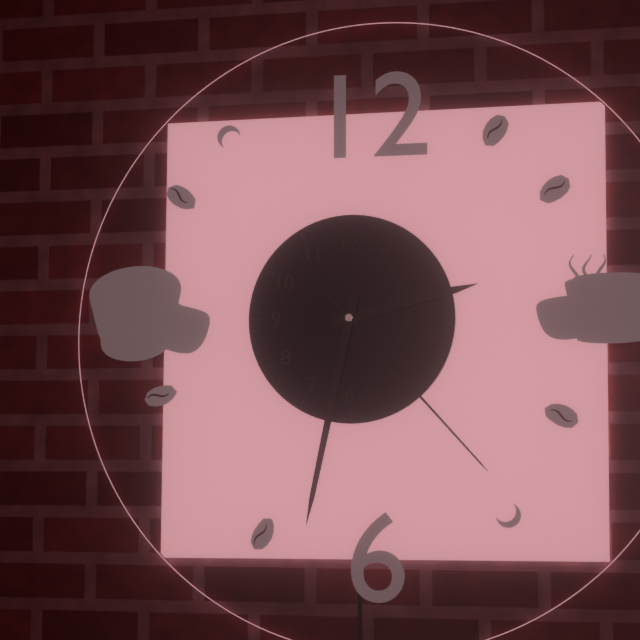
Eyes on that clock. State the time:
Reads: 2:32:23
